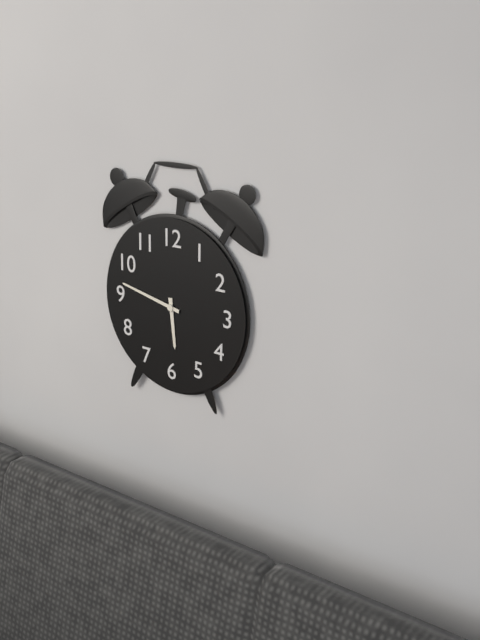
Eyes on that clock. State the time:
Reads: 5:47
